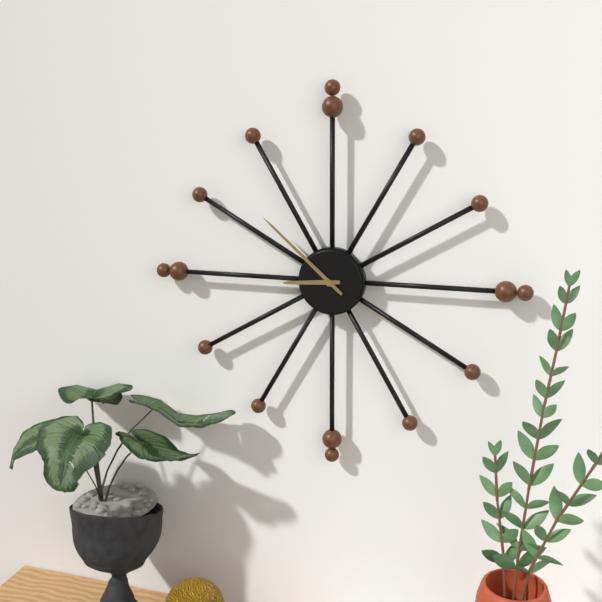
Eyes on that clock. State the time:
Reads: 8:52
